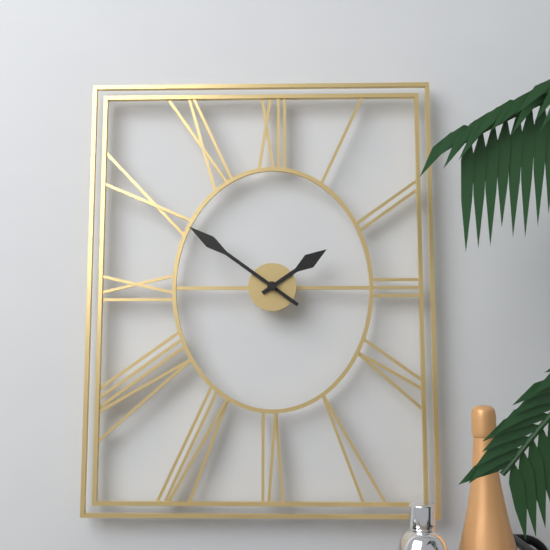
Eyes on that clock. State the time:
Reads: 1:51
